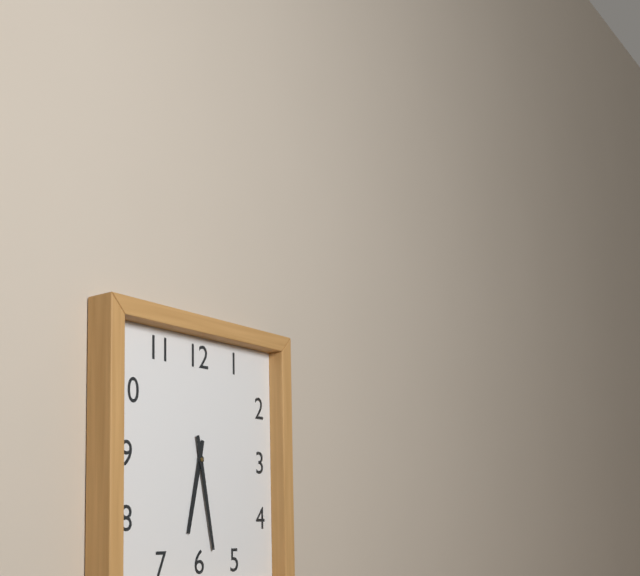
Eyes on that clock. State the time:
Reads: 6:28
